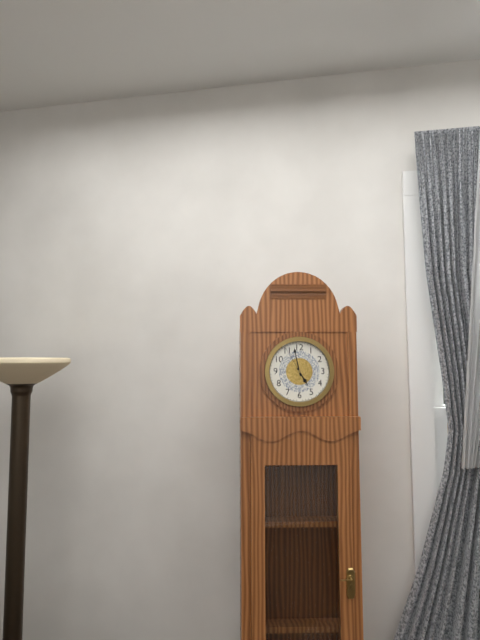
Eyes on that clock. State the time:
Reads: 4:58
